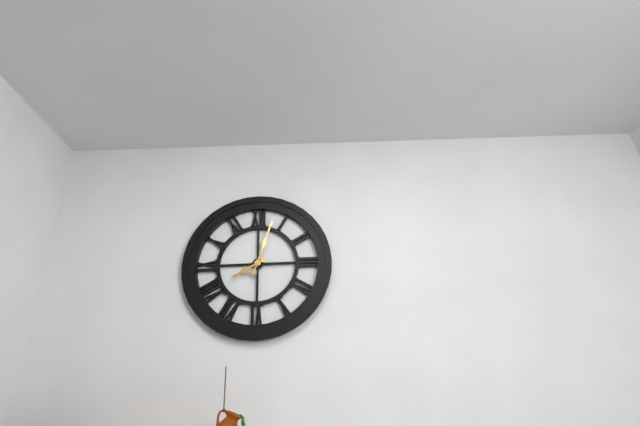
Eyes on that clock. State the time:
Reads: 8:03
